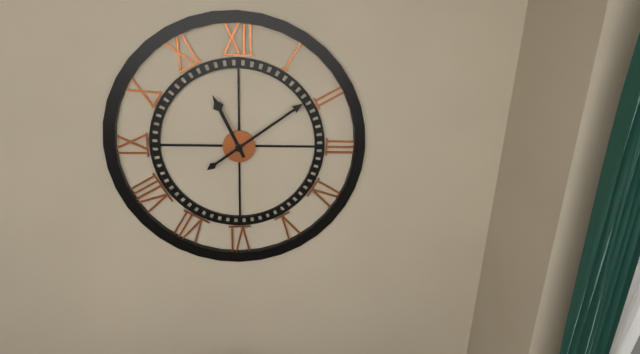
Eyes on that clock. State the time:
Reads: 11:09
